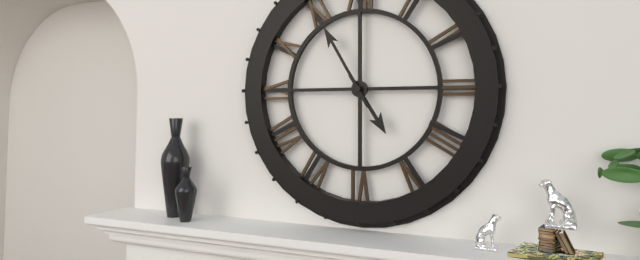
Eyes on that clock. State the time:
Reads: 4:55
